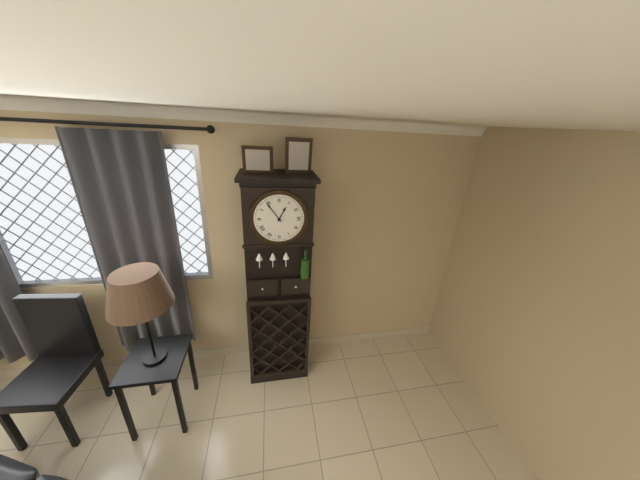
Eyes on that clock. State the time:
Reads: 12:54
